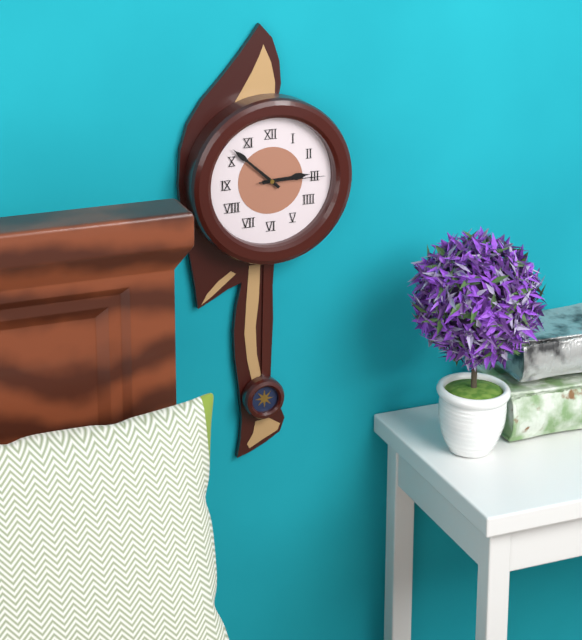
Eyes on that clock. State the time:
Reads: 2:52:15
